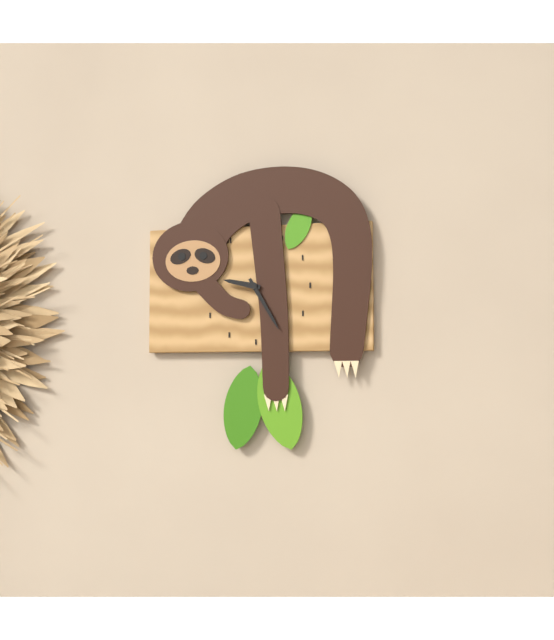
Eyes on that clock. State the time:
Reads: 9:25
